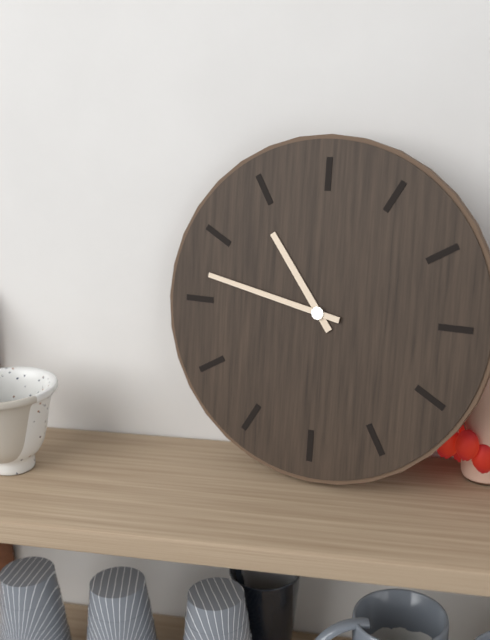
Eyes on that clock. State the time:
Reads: 10:47
